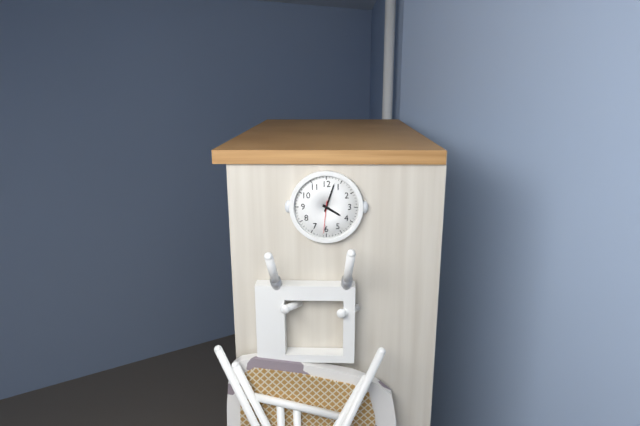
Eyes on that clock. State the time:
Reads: 4:03
